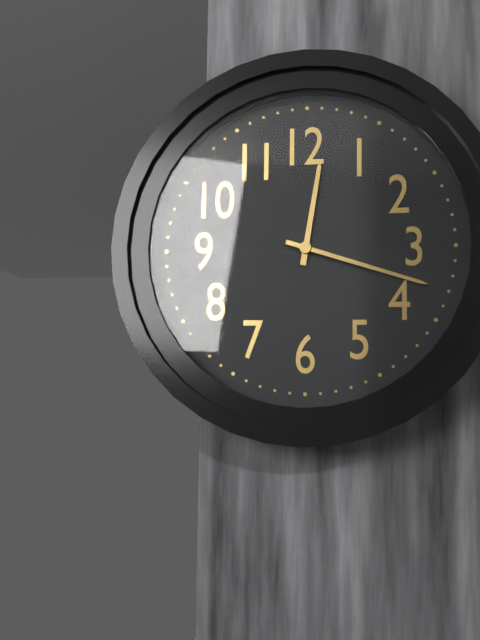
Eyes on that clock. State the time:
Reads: 12:18
